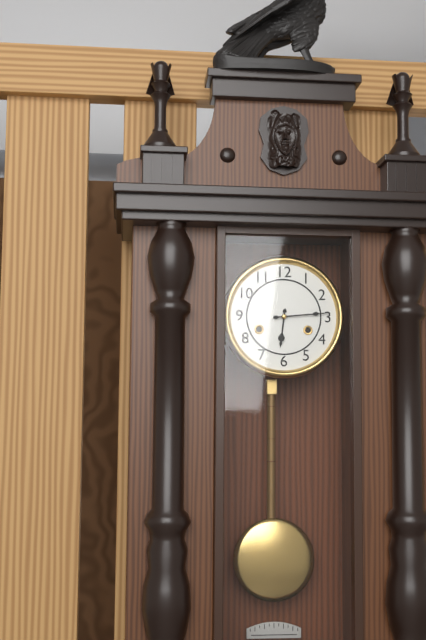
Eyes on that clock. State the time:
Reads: 6:14
